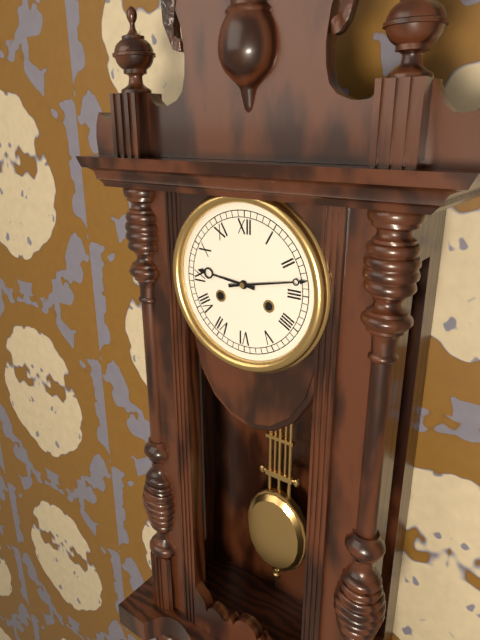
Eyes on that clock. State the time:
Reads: 9:13
